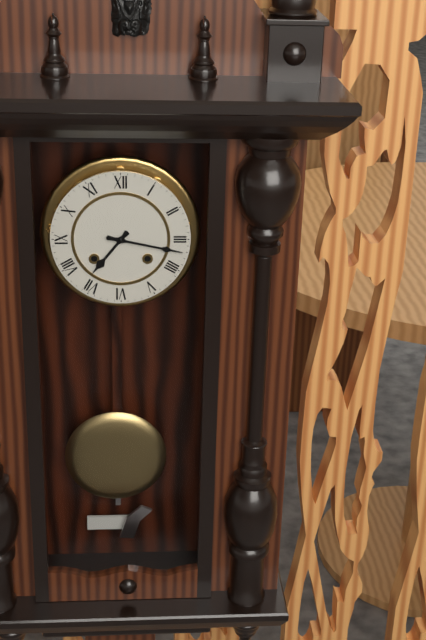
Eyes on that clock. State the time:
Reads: 7:17
